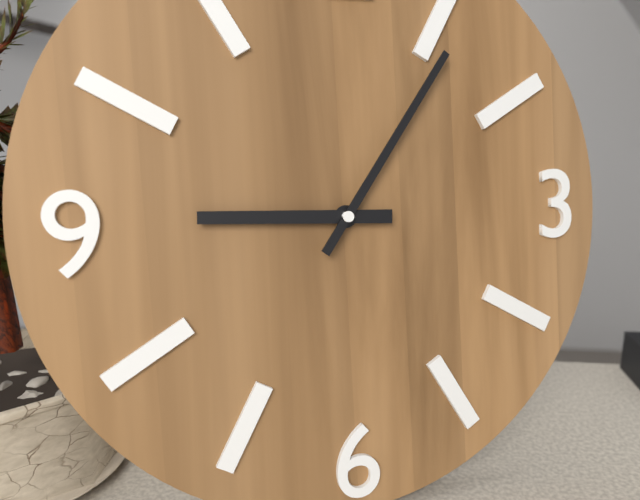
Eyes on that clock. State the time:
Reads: 9:06
